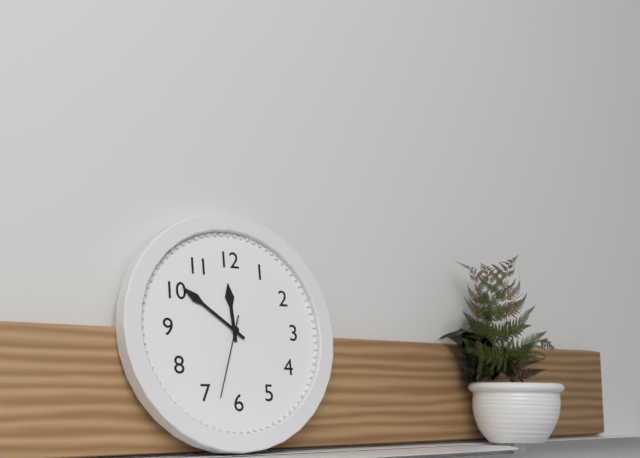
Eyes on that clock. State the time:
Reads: 11:51:33
